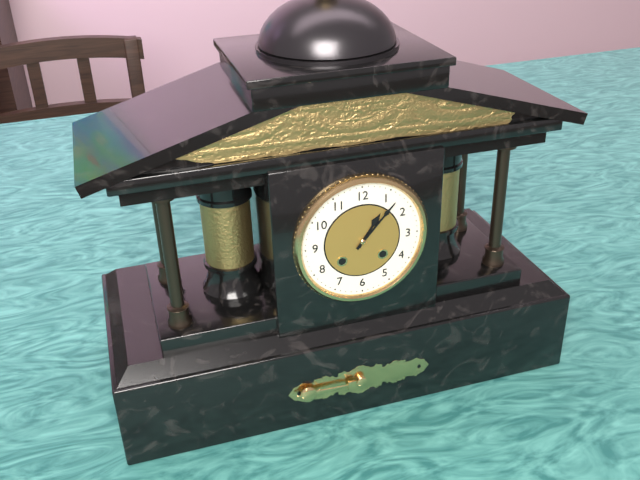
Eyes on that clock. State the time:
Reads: 1:07
